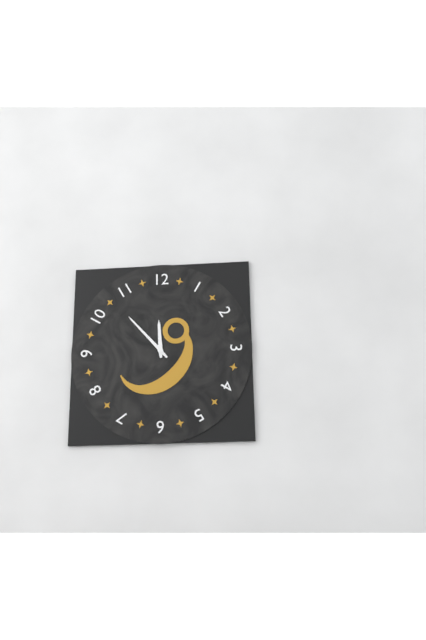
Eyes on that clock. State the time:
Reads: 11:53
